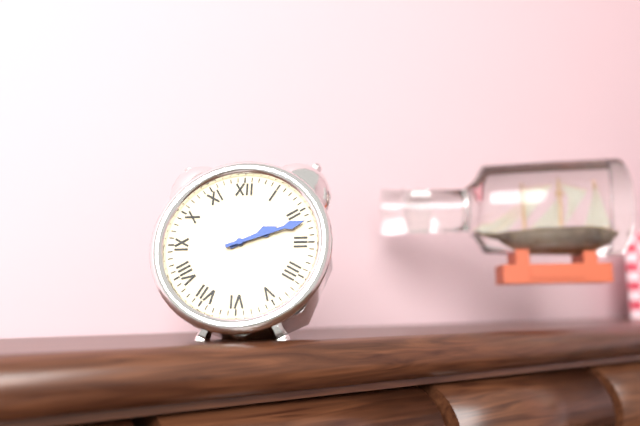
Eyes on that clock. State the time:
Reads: 2:12
